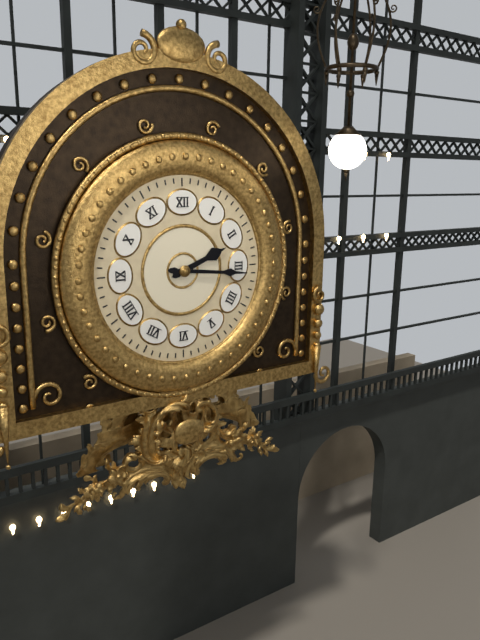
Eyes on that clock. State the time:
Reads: 2:16
